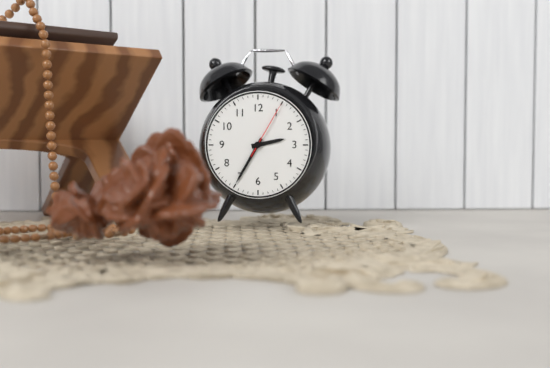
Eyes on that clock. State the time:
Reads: 2:35:05
